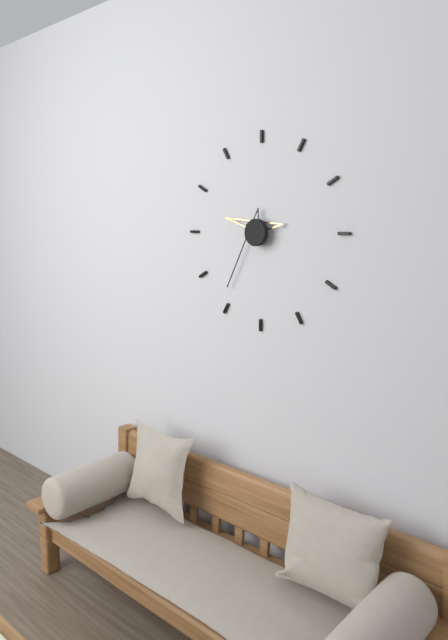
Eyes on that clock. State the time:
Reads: 9:36
